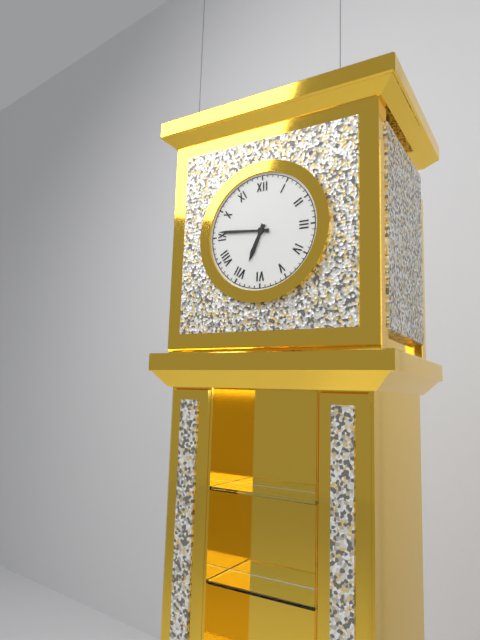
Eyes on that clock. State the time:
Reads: 6:46
